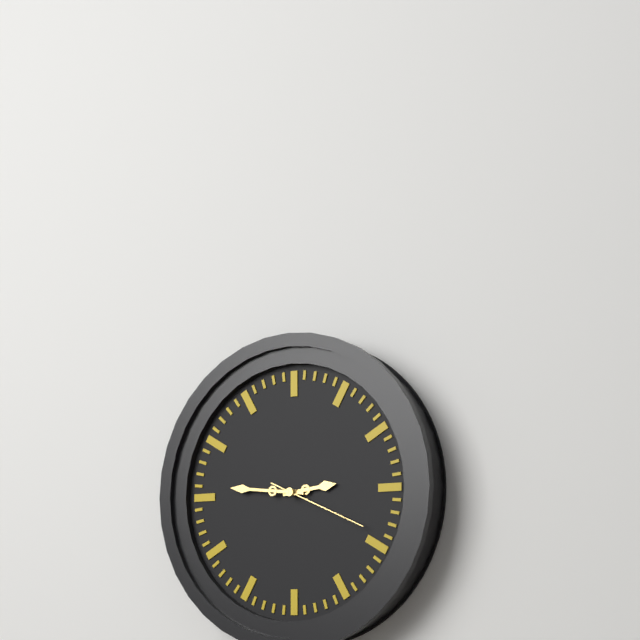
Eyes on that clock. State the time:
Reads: 2:46:19
